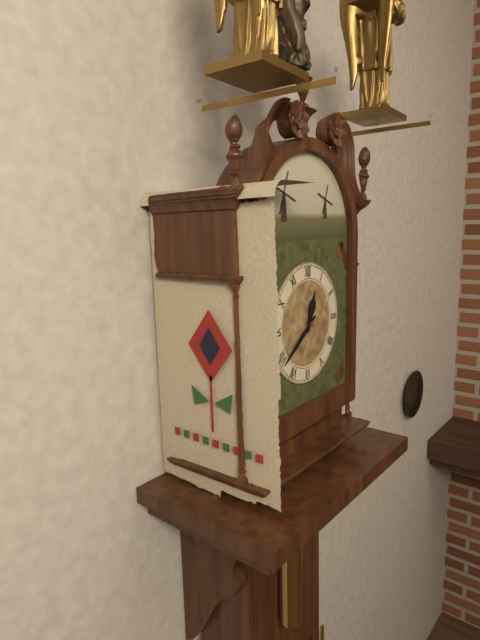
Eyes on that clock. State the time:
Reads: 12:39
